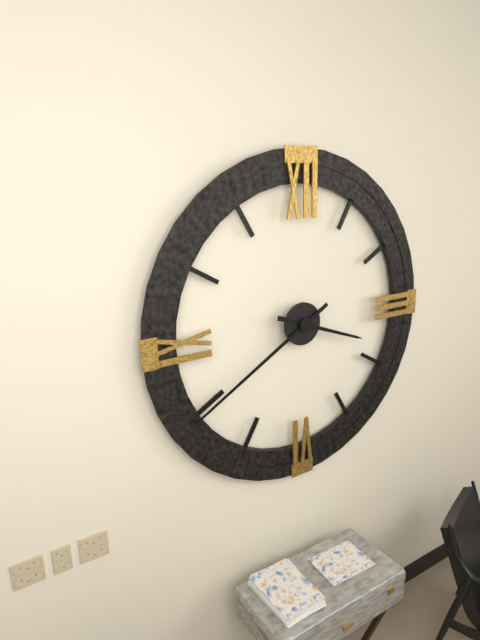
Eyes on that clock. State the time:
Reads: 3:40
